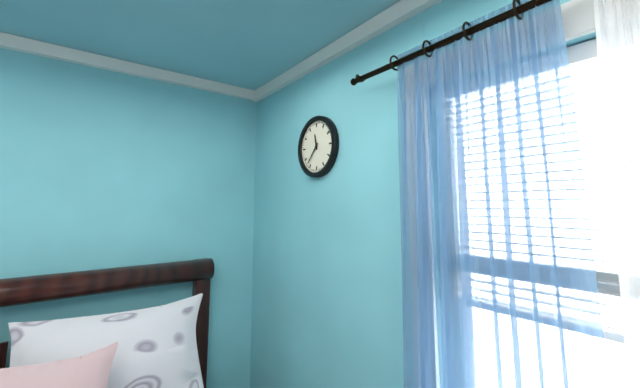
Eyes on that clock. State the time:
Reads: 11:37
